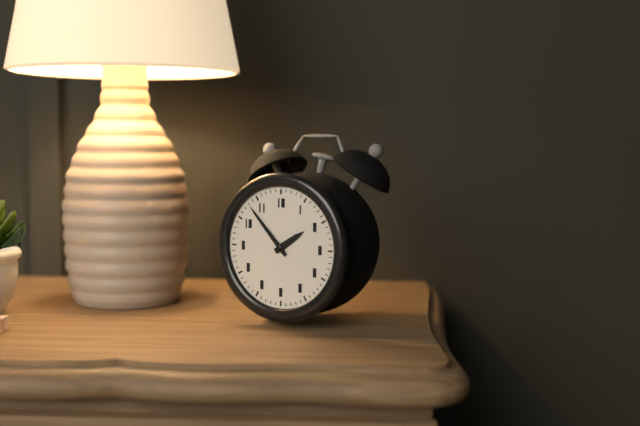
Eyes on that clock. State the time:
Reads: 1:53
